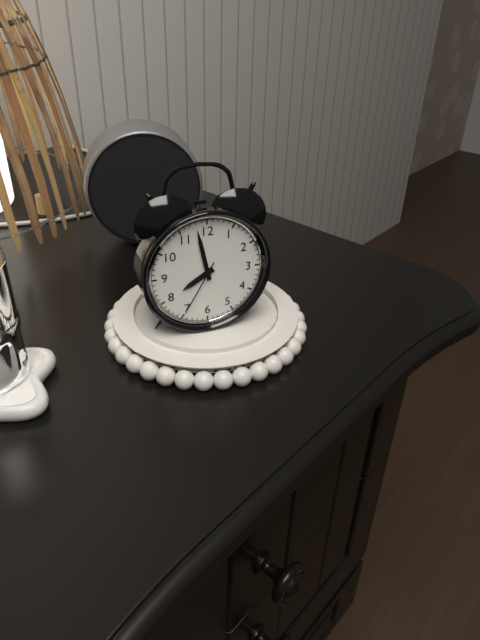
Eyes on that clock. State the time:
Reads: 7:58:35
